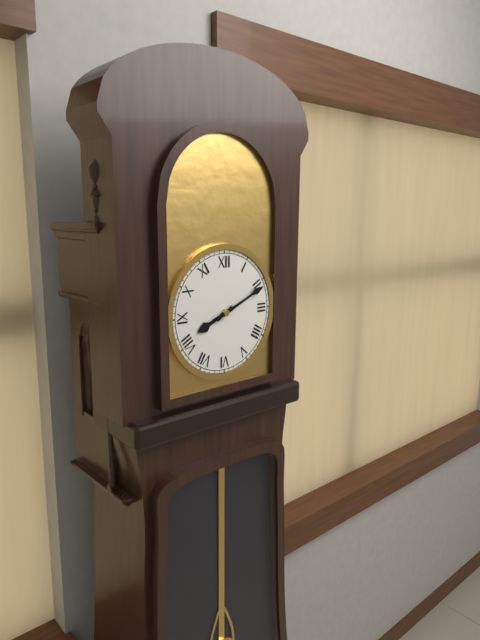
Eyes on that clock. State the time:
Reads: 8:11
